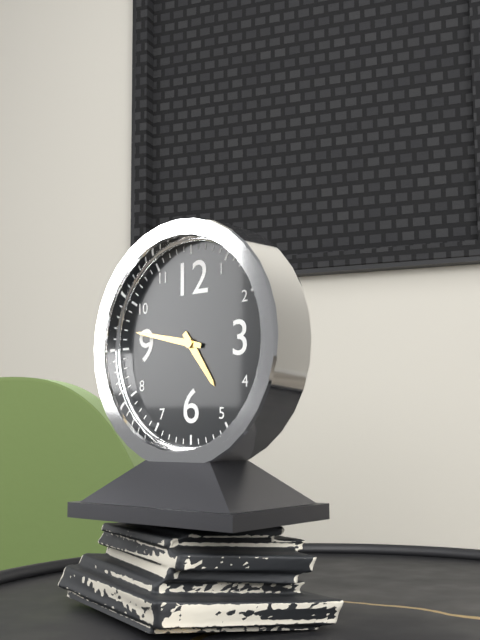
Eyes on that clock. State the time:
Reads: 4:47
